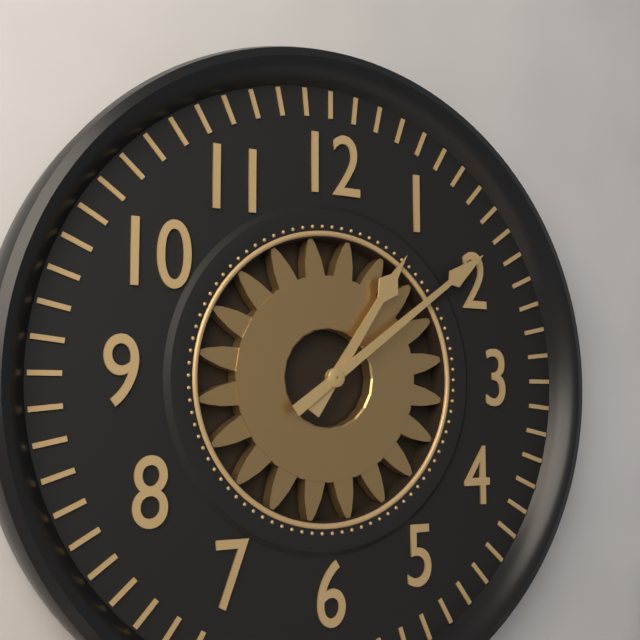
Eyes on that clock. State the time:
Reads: 1:09
